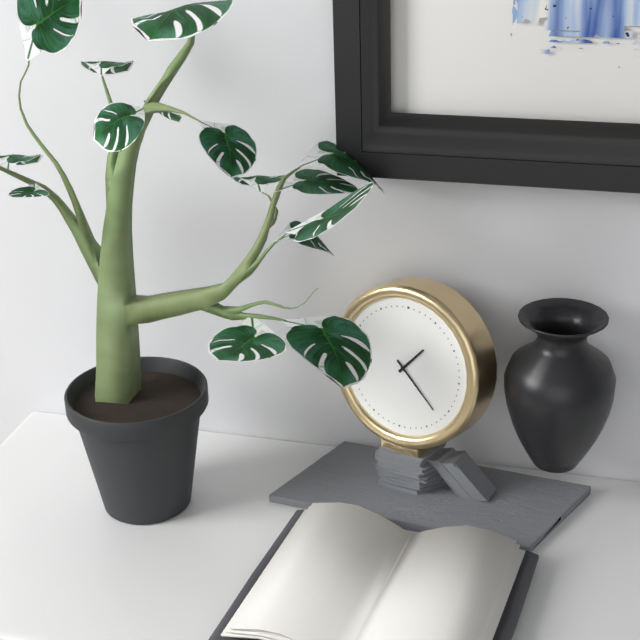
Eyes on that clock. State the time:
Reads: 1:22
